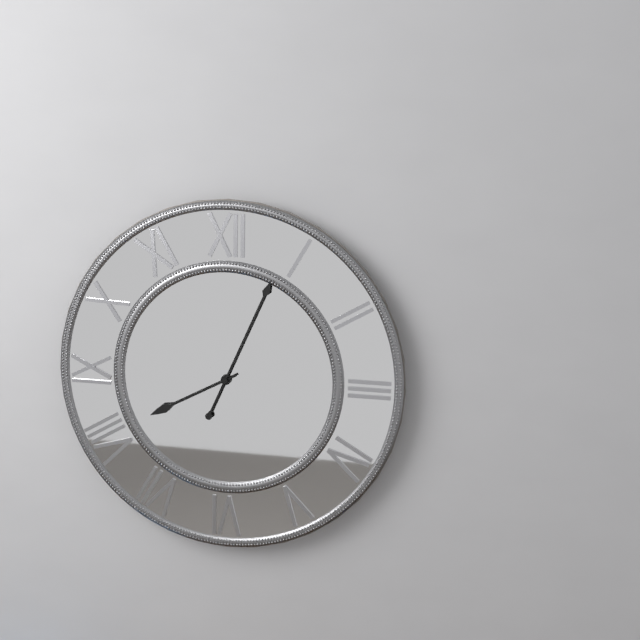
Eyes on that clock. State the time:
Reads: 8:04
